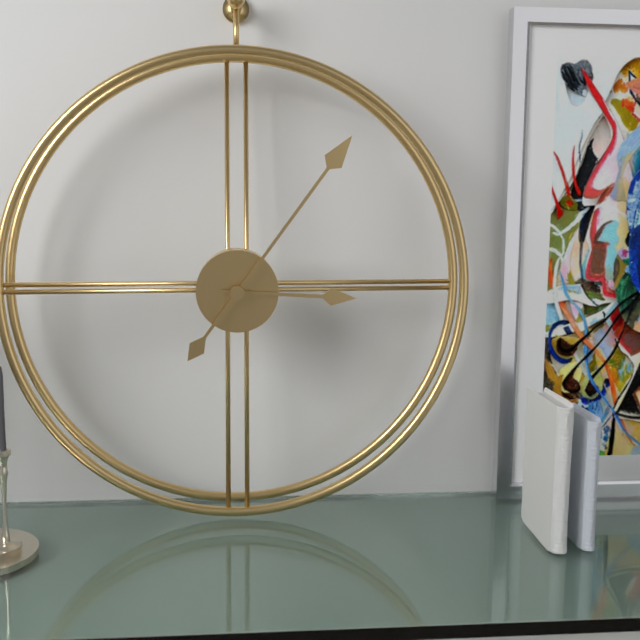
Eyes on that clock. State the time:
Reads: 3:06
